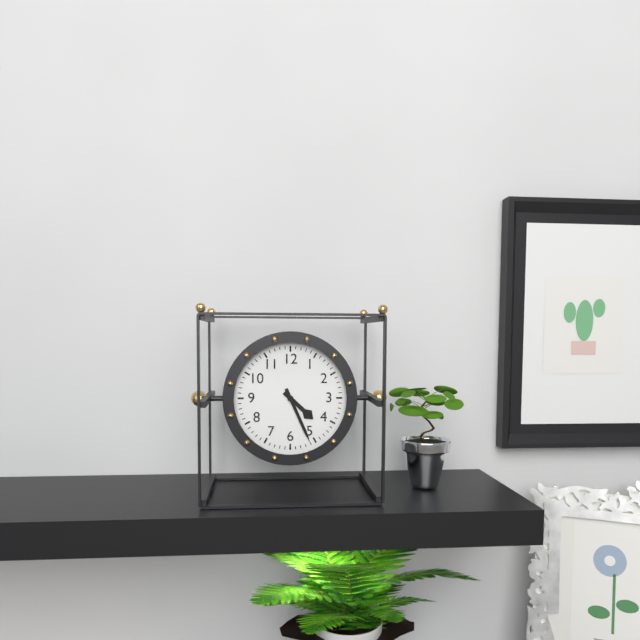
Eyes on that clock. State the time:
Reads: 4:26
